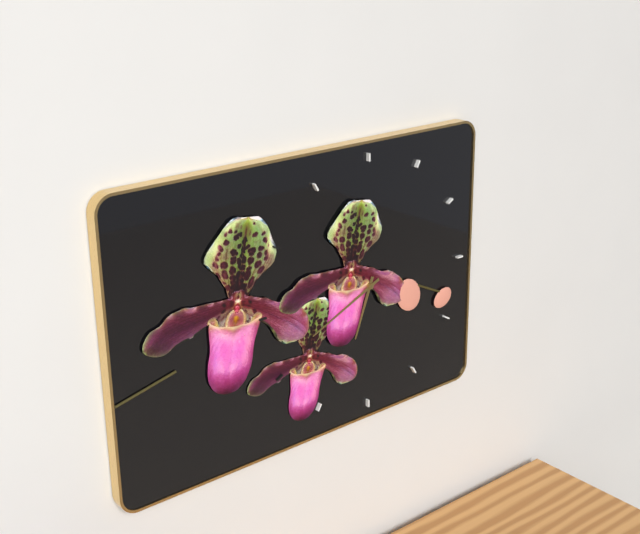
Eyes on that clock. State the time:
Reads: 6:41
